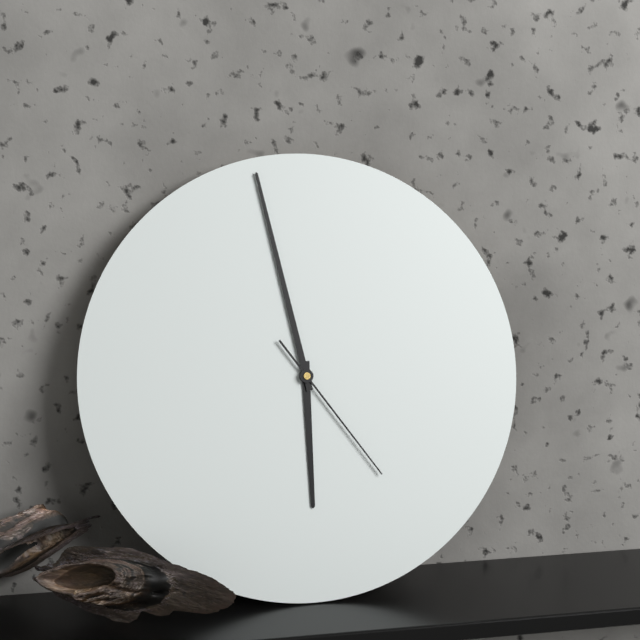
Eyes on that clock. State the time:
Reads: 5:58:24
